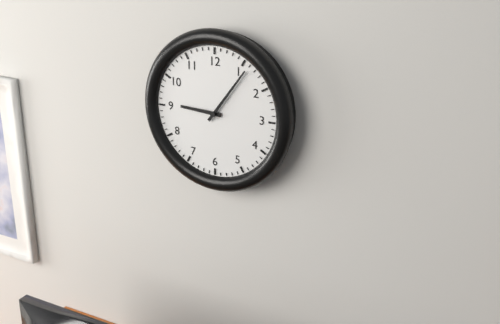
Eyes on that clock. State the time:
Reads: 9:06
